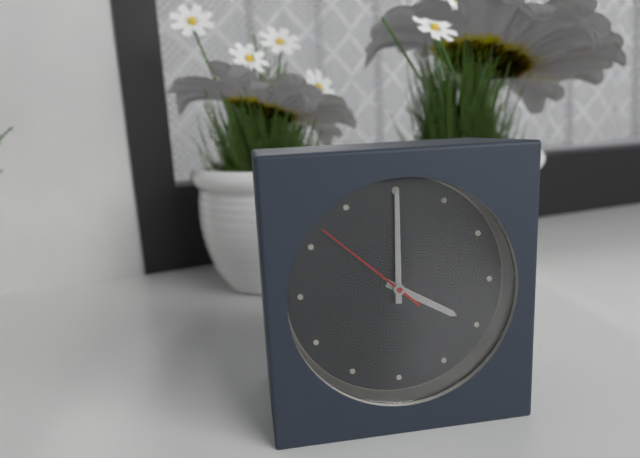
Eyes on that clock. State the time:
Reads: 4:00:52
